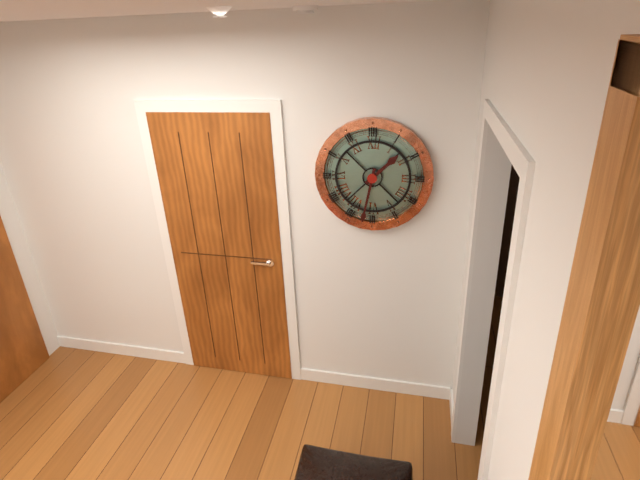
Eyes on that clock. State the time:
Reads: 1:32
